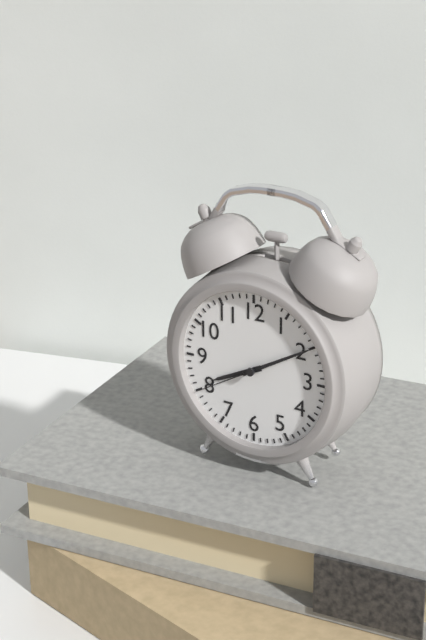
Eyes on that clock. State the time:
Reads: 8:10:40
